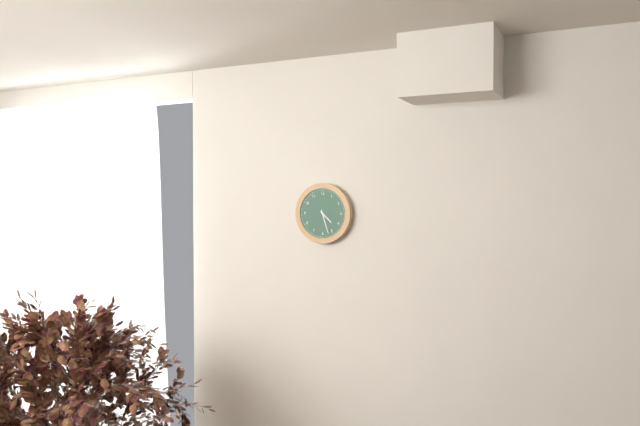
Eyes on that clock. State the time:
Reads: 4:27
